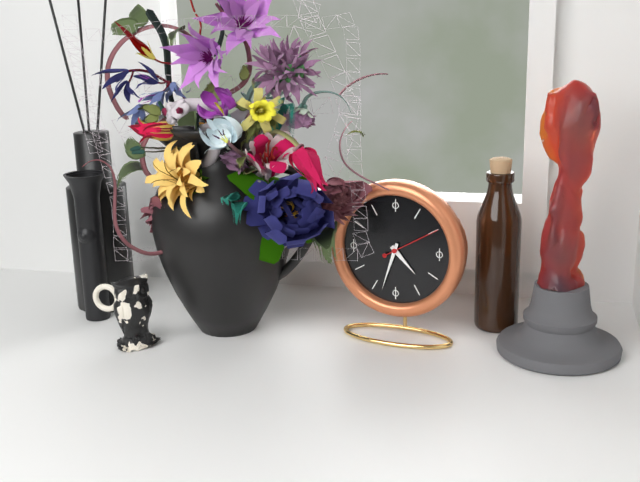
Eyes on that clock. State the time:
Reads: 4:33:10
